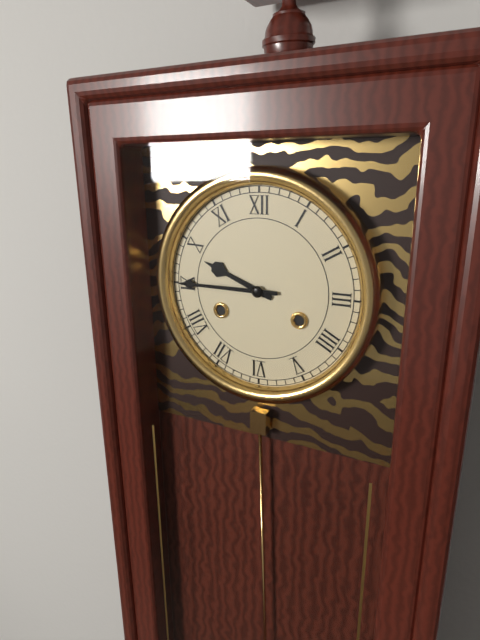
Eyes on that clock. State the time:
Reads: 9:45
